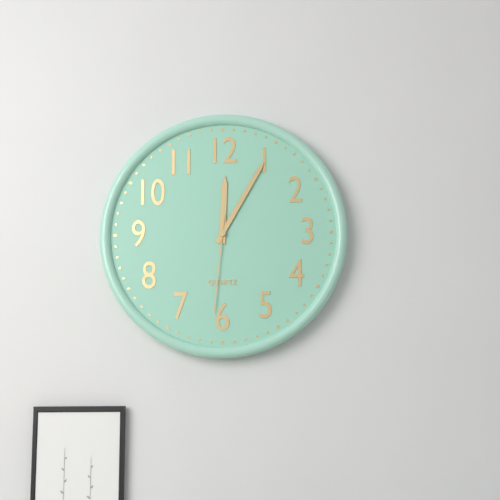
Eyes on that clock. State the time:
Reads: 12:05:31
